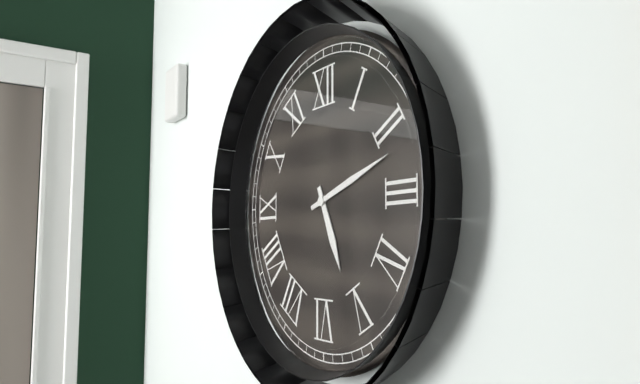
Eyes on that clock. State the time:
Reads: 5:12
